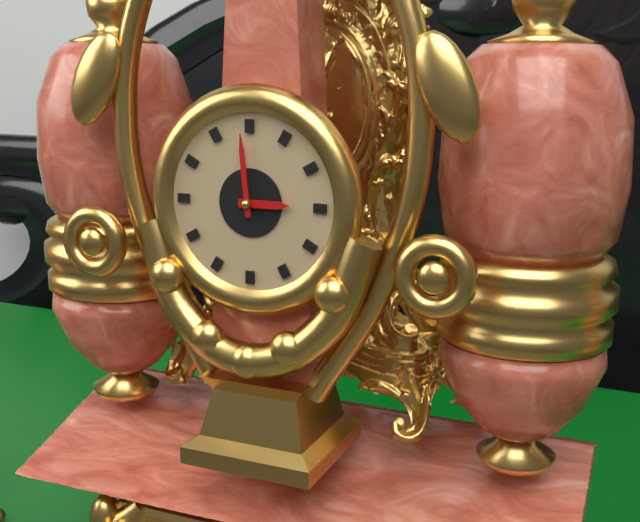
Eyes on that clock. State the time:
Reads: 2:59
